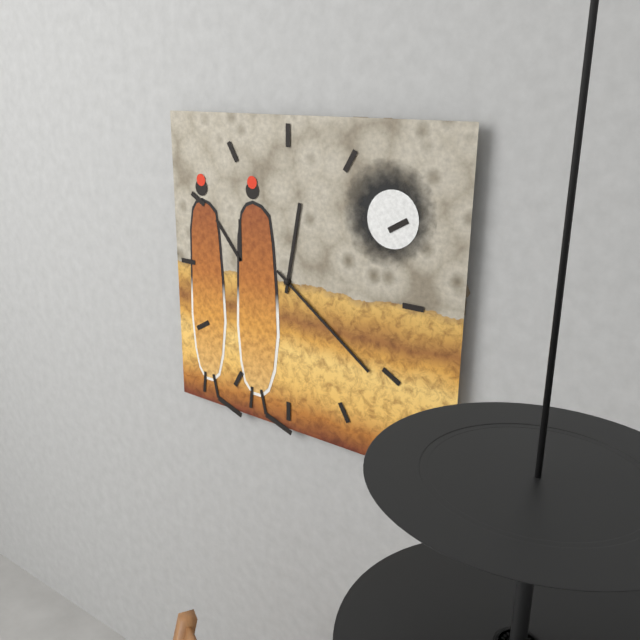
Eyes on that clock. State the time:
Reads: 12:21
